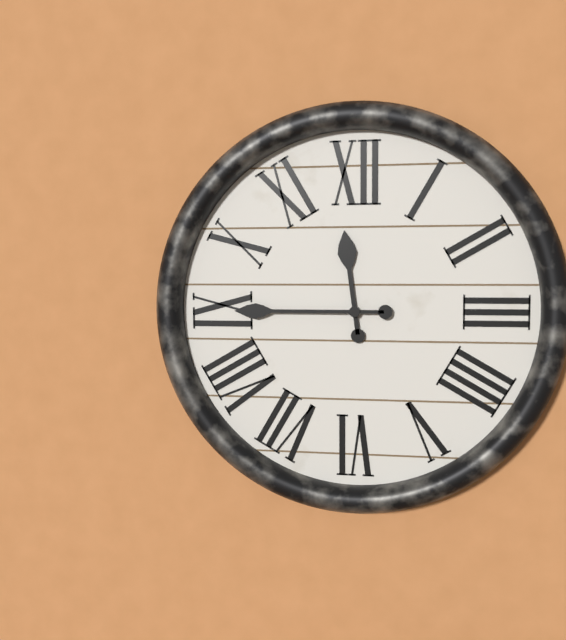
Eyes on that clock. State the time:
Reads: 11:45
